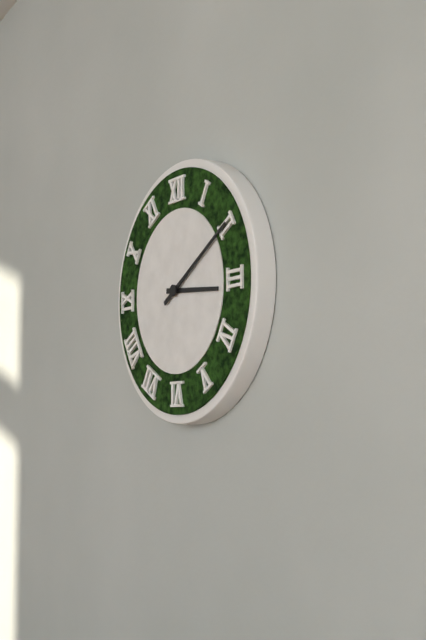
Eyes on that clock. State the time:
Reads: 3:10
